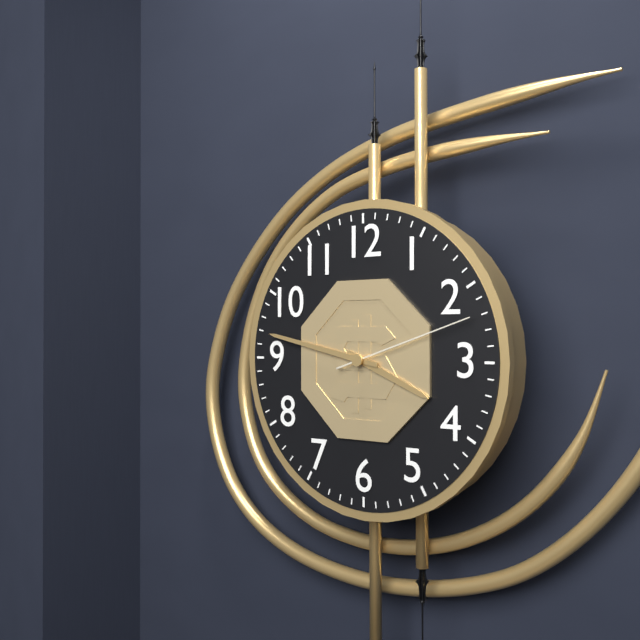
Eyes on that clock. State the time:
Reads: 3:47:12
